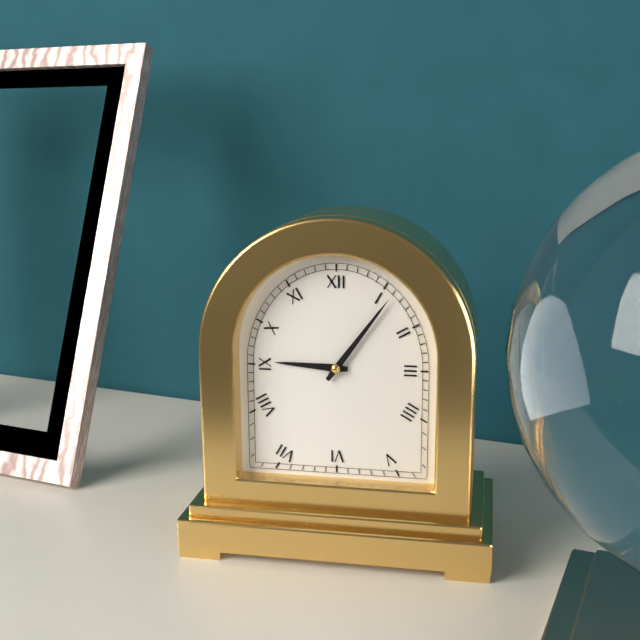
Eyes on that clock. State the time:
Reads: 9:06
